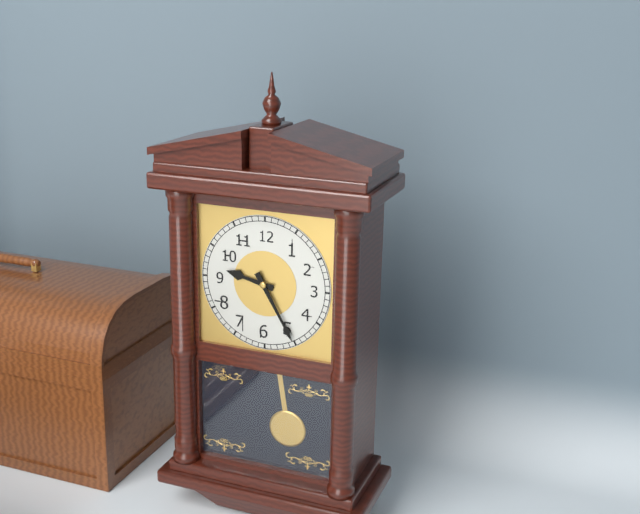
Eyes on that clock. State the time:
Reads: 9:25
